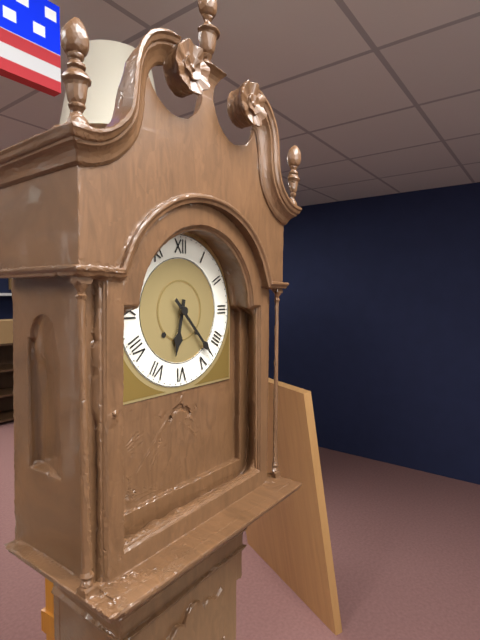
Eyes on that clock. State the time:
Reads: 6:23
